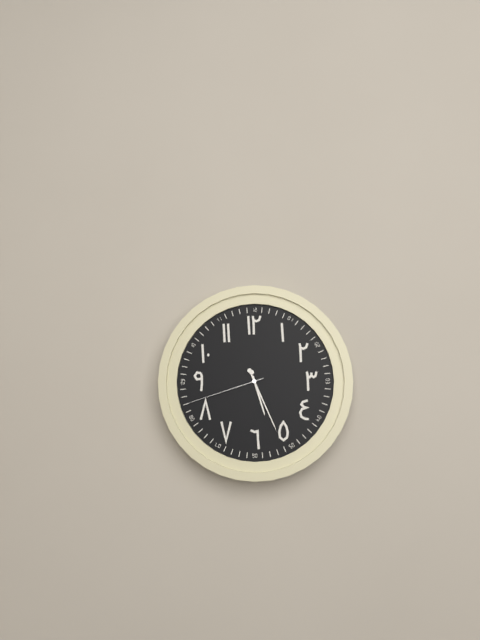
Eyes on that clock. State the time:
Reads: 5:26:42
